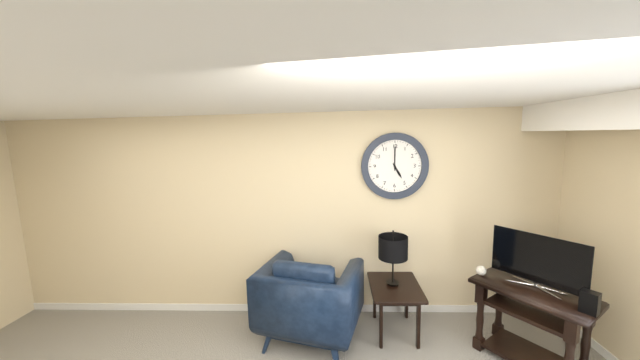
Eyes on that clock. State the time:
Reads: 5:00
